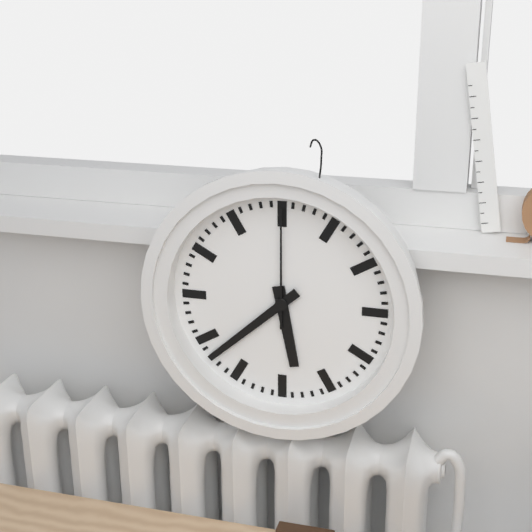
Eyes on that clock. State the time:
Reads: 5:38:00
